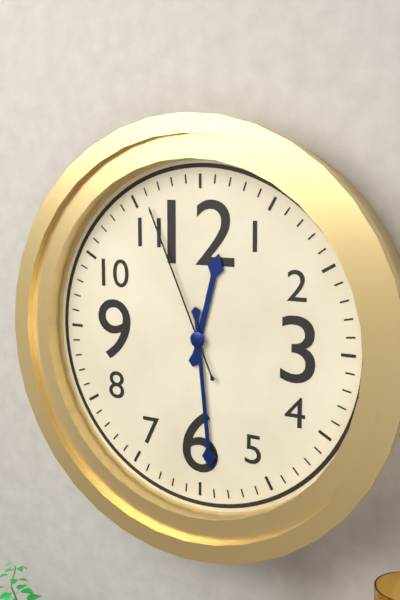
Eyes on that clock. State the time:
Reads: 12:29:56
